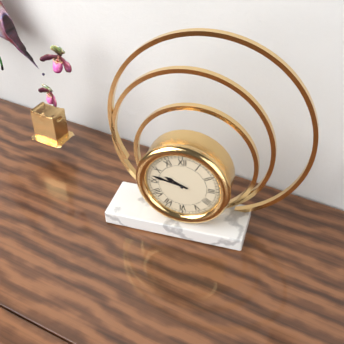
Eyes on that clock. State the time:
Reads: 9:47
